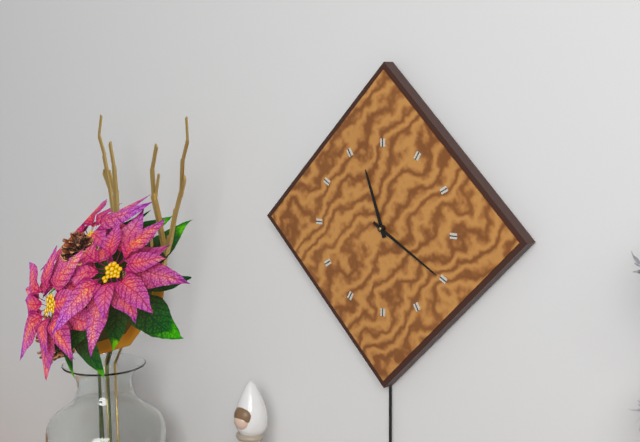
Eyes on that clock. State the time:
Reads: 11:20
